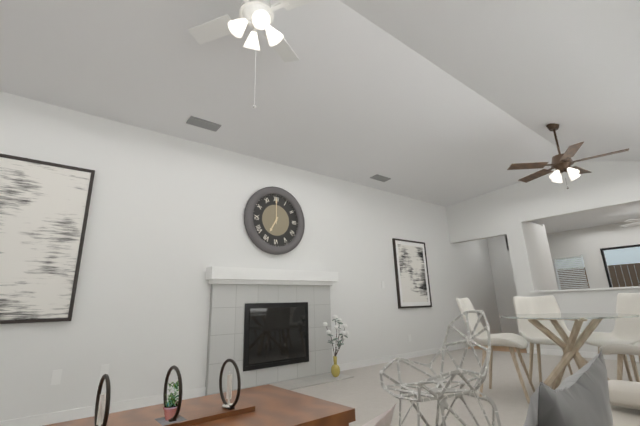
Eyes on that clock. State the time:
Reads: 7:00
